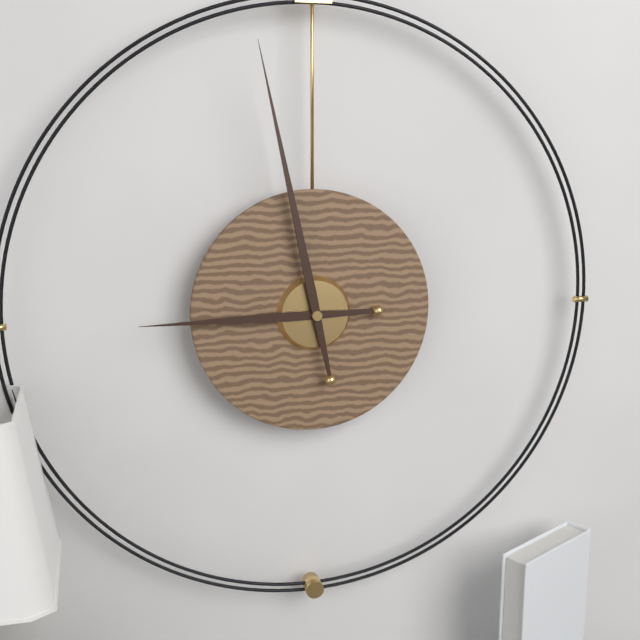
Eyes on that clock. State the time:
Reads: 8:58
